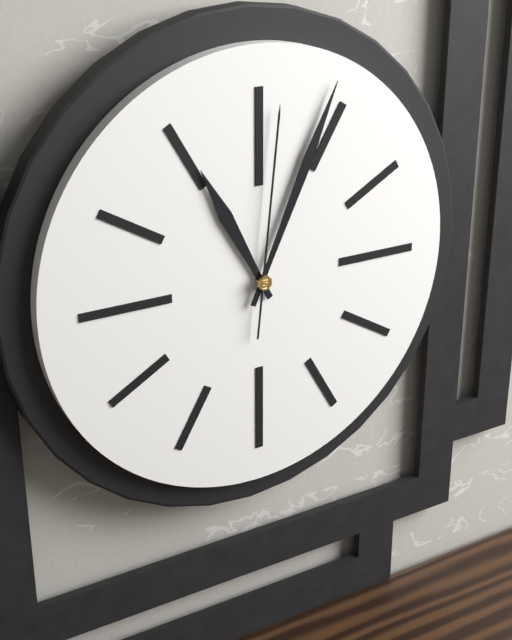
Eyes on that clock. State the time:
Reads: 11:04:01
